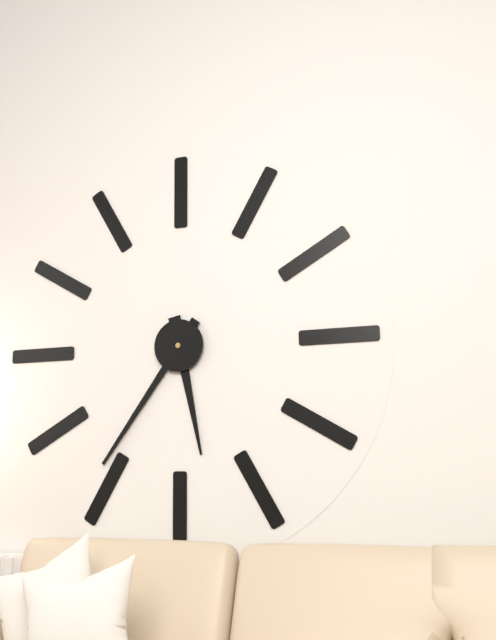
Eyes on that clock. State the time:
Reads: 5:36
